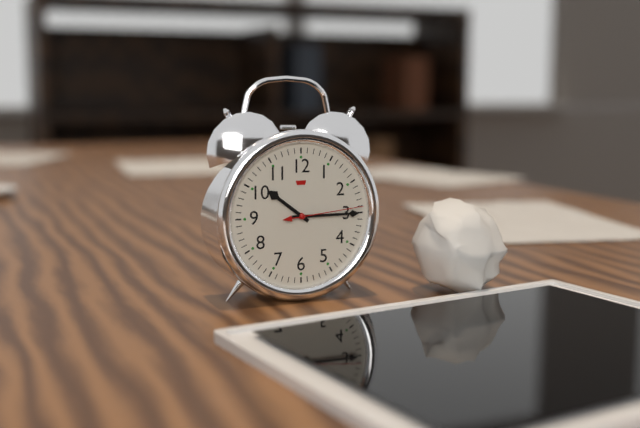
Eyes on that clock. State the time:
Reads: 10:15:14
